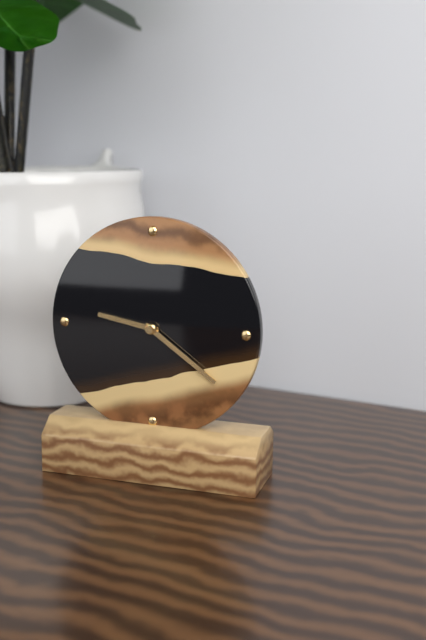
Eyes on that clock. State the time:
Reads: 9:21
